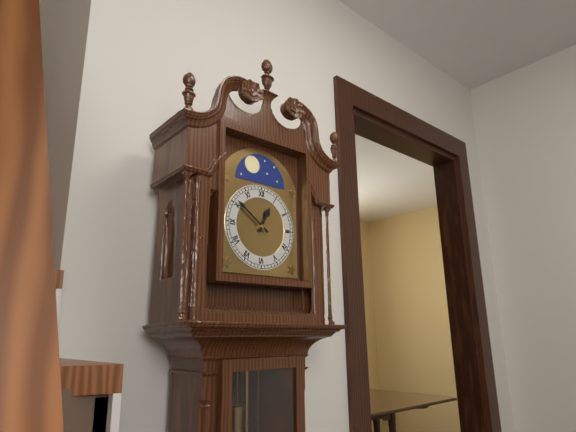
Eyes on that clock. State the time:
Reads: 12:51
